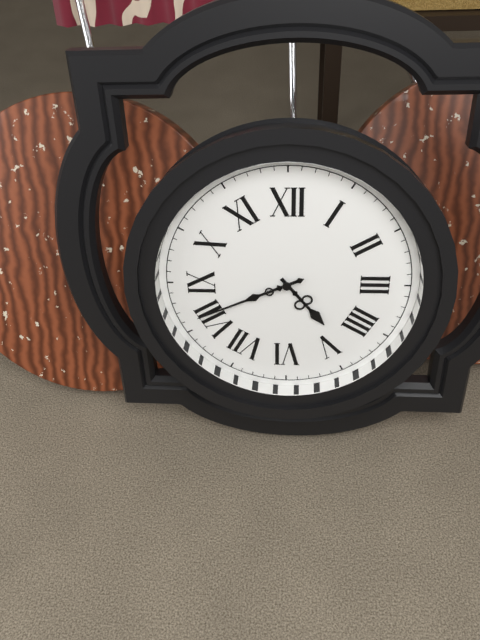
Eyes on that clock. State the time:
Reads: 4:41
